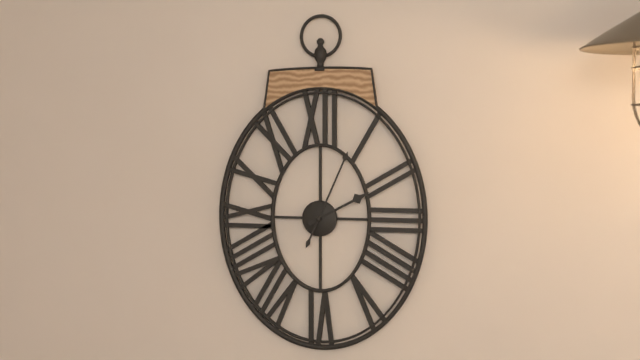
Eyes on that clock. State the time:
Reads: 2:04
